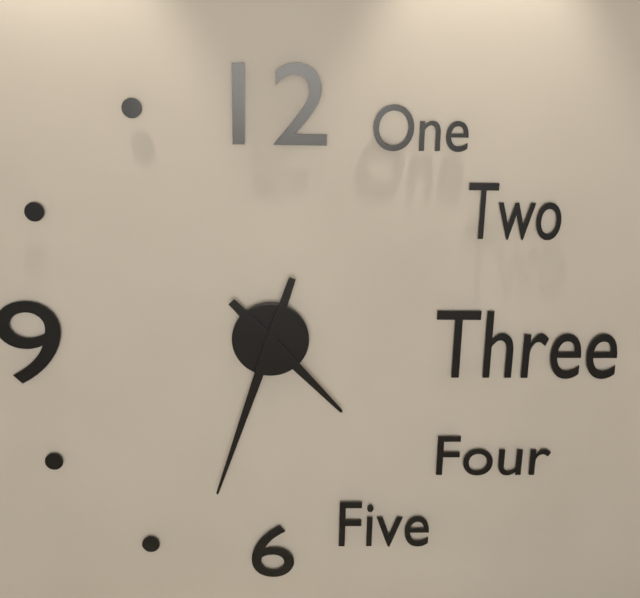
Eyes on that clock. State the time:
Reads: 4:33
